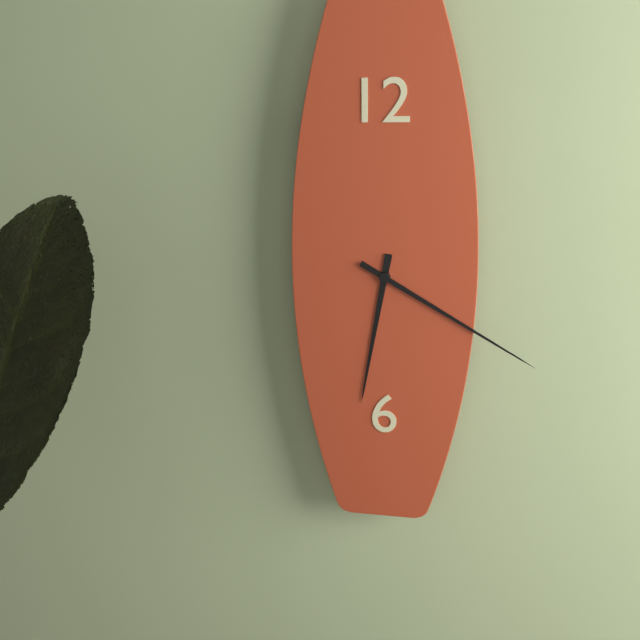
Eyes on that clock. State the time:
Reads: 6:20
